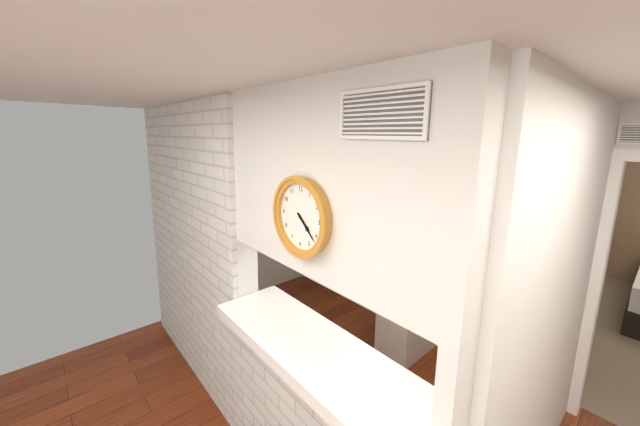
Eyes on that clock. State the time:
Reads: 4:22
